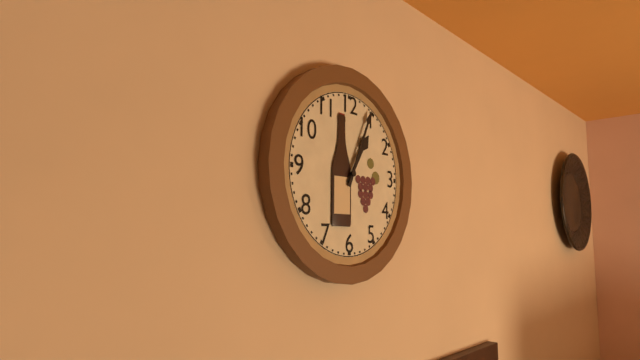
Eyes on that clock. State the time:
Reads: 1:04
